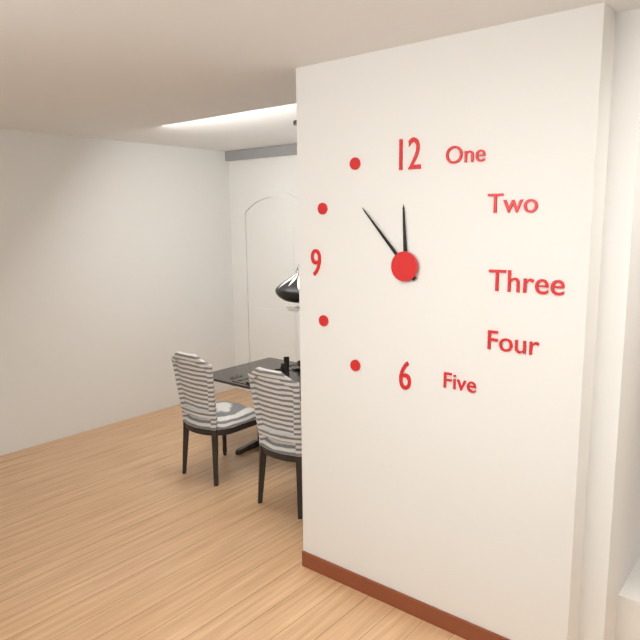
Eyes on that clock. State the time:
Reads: 11:53
